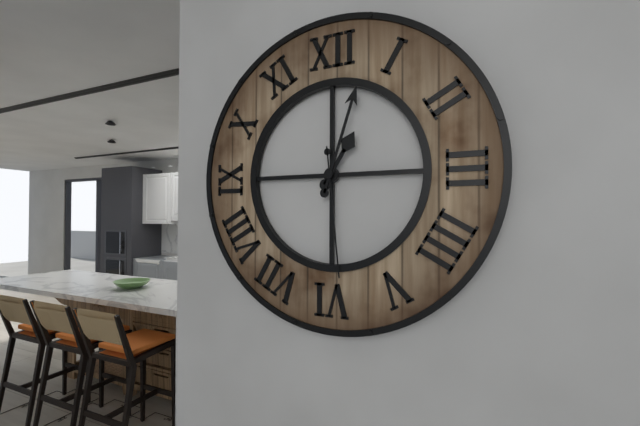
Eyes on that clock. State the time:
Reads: 1:03:29
